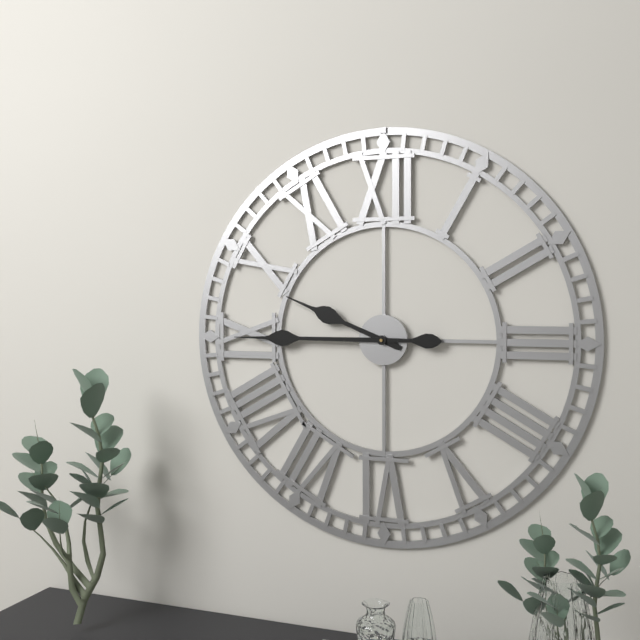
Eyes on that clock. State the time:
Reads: 9:45
